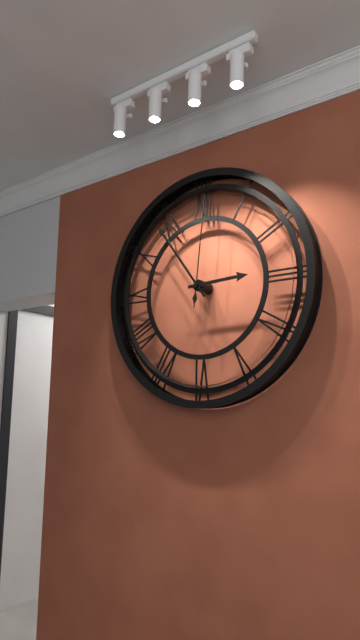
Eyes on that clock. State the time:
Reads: 2:54:01
